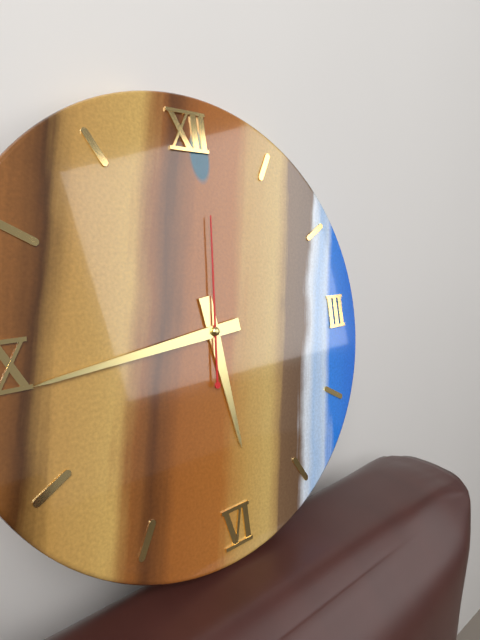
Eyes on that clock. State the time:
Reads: 5:44:01
